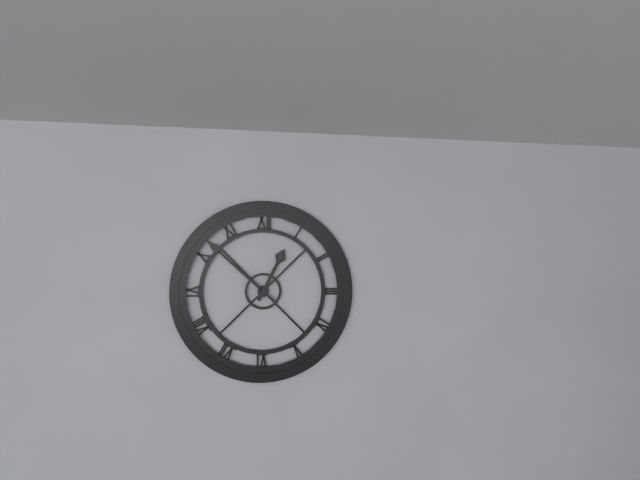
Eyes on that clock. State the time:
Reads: 12:52
